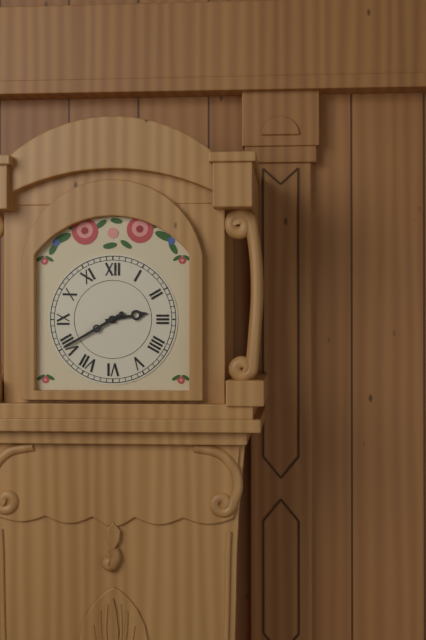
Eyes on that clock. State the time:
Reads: 2:40
